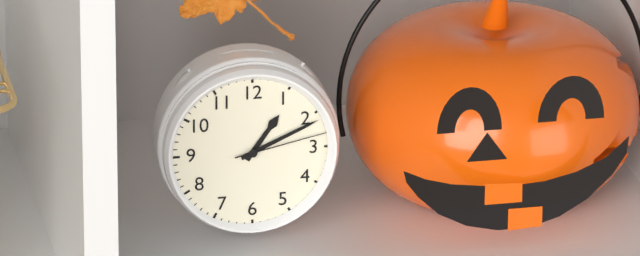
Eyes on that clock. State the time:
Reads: 1:11:13
